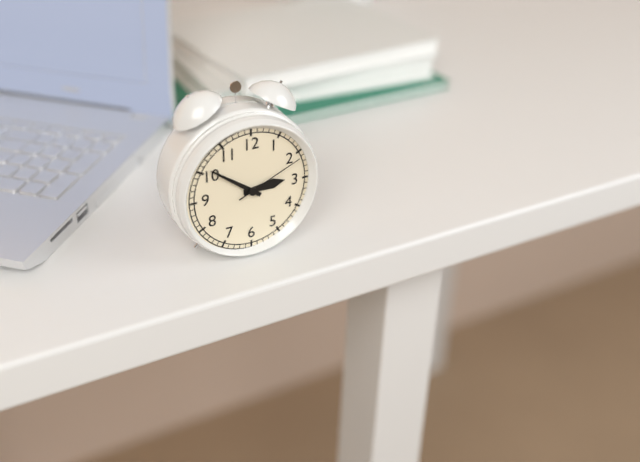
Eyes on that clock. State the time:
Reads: 2:51:11
